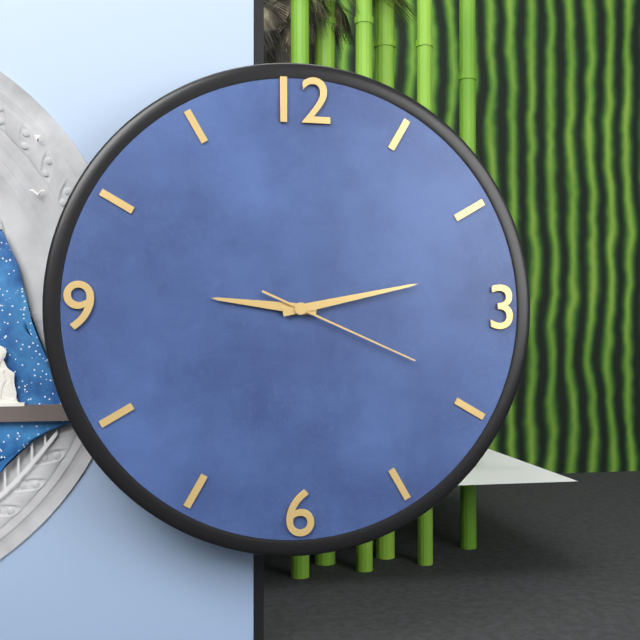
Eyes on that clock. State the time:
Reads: 9:13:19
